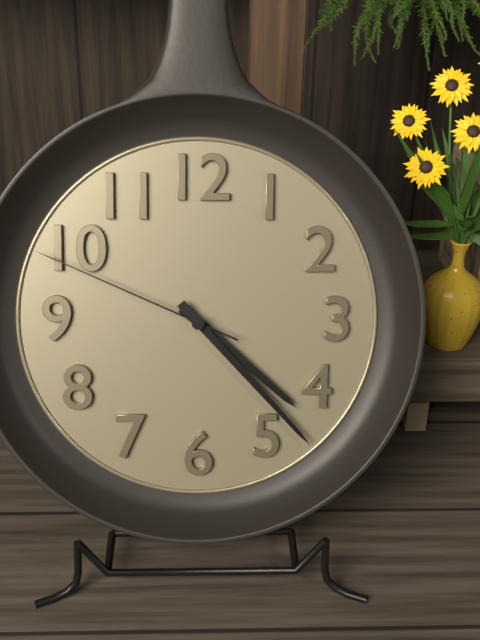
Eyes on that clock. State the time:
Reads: 4:23:49
